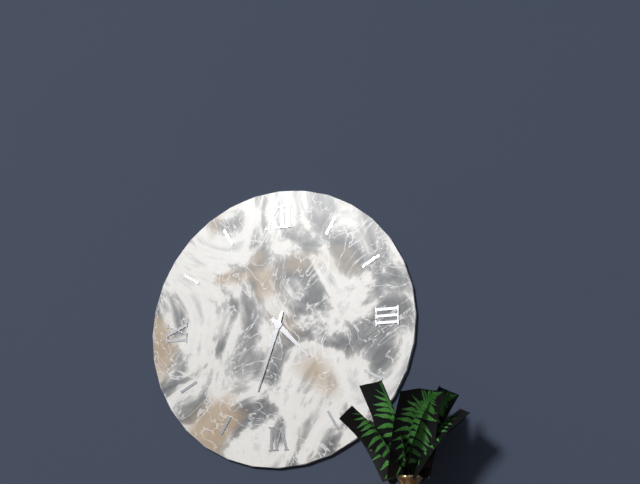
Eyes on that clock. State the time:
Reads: 4:33
